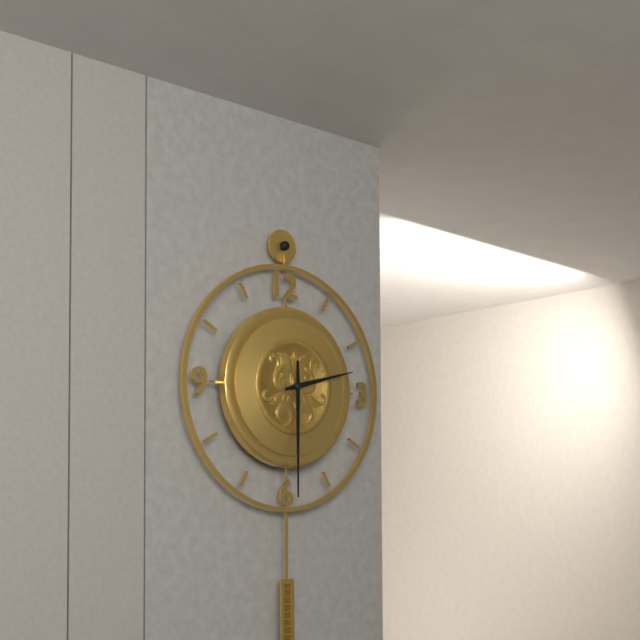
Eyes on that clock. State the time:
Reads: 2:30
